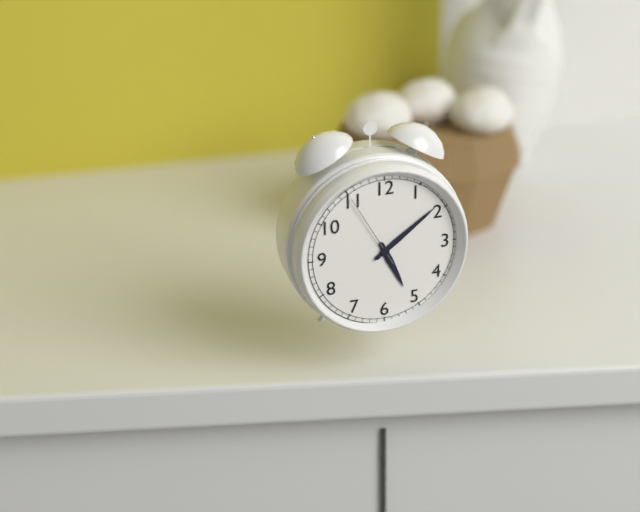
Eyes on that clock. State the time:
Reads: 5:09:55
